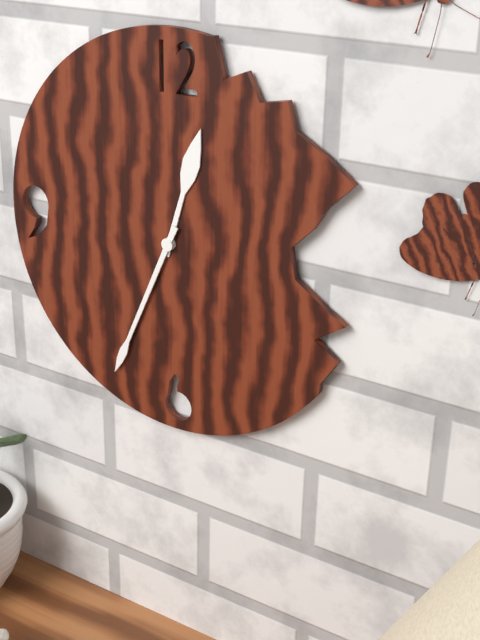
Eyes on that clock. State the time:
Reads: 12:34
